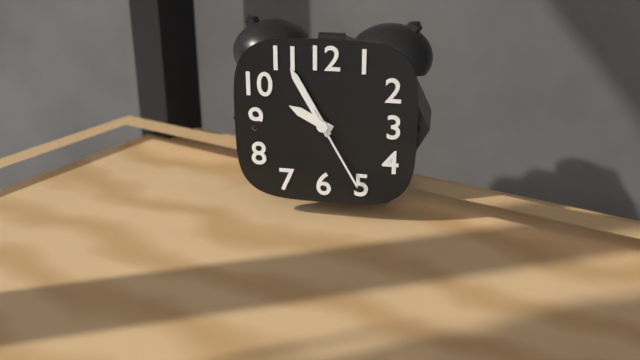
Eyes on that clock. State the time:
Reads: 9:55:25
